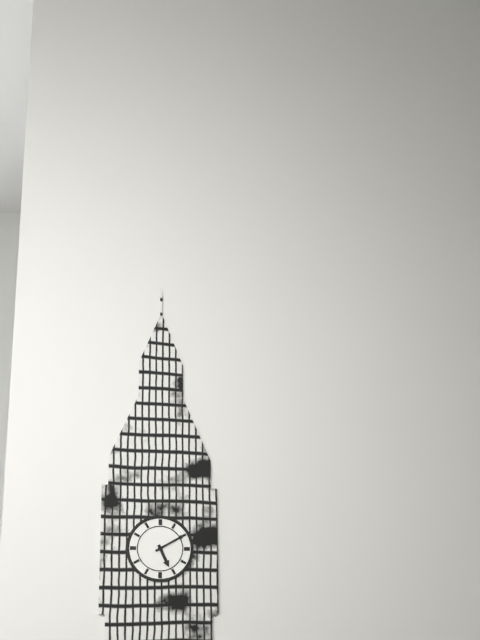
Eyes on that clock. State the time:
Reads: 5:10
